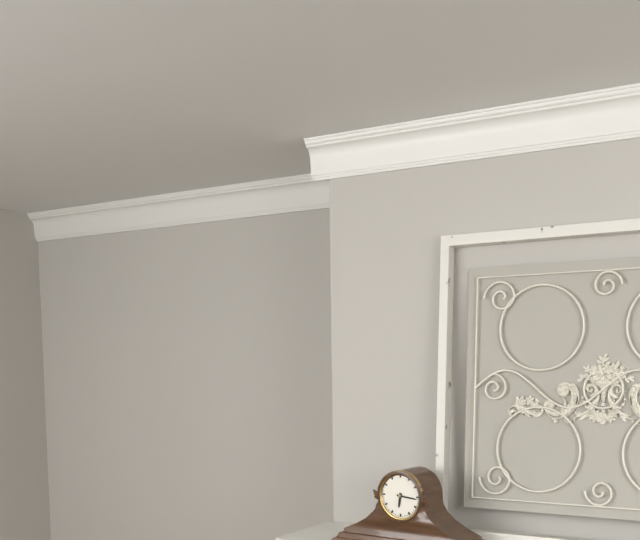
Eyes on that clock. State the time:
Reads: 6:16
